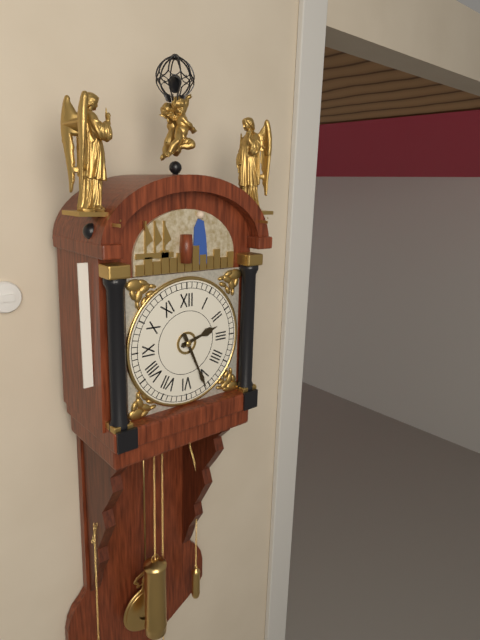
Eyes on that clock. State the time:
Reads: 2:26
